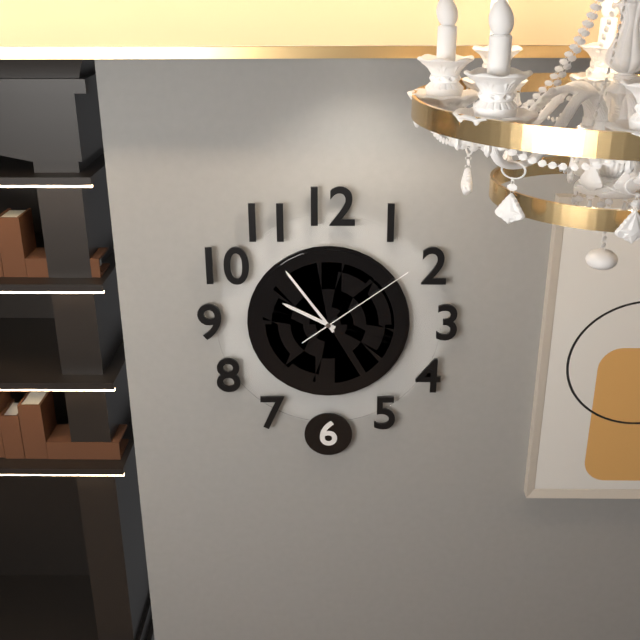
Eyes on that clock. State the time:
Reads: 9:54:09
